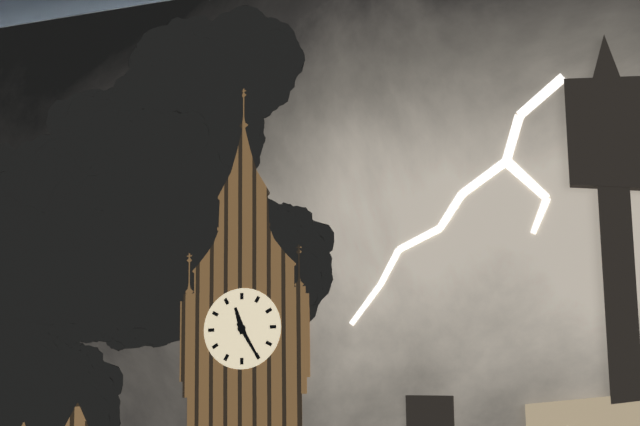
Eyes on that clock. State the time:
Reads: 11:25
